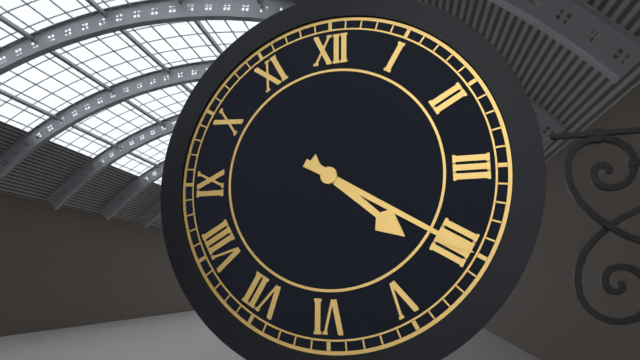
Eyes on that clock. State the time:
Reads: 4:20
